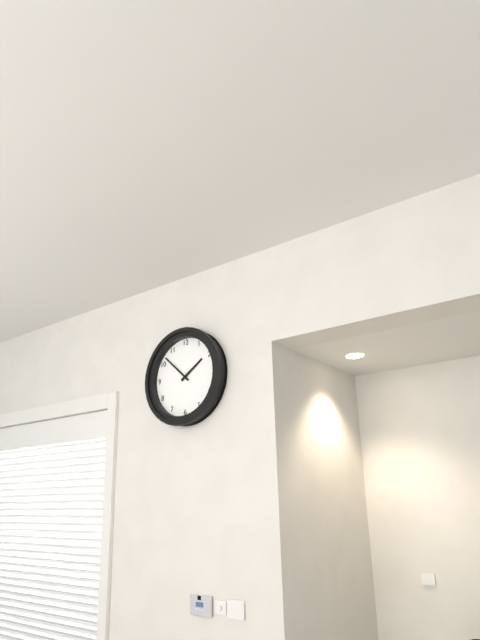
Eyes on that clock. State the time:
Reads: 1:52
